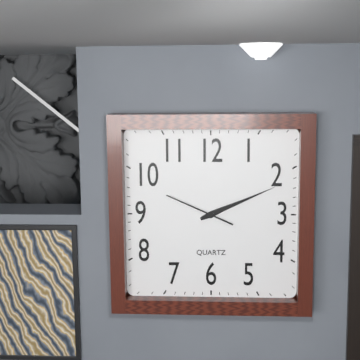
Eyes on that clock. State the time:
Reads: 2:11:49
